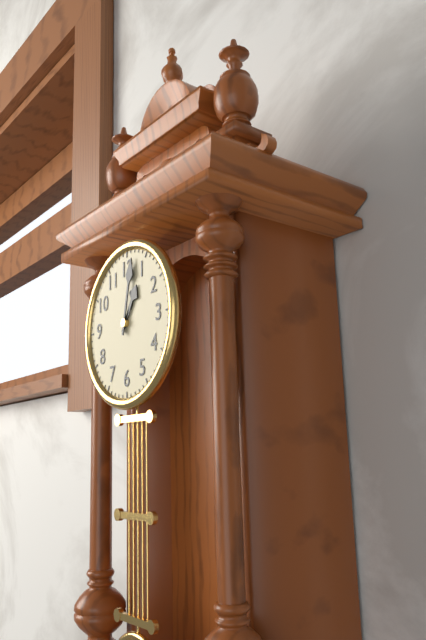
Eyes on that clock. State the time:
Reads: 1:02
